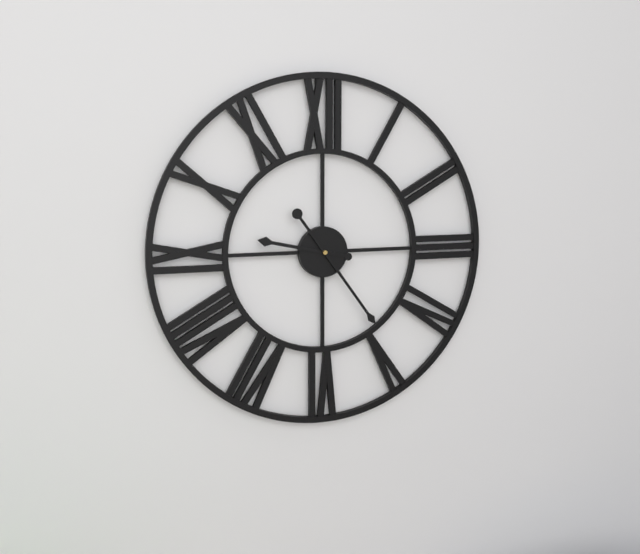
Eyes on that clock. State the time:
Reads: 9:24
